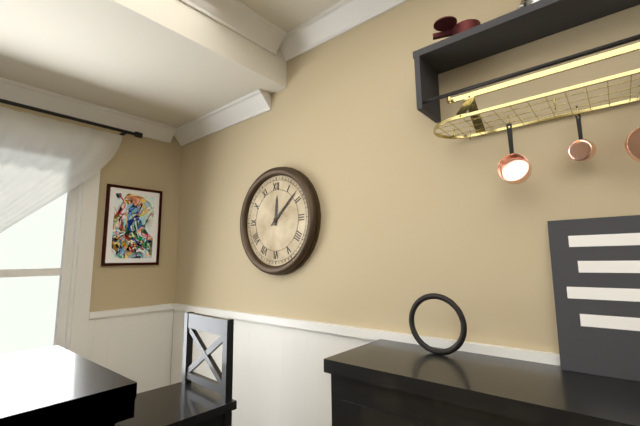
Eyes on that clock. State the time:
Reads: 12:08
